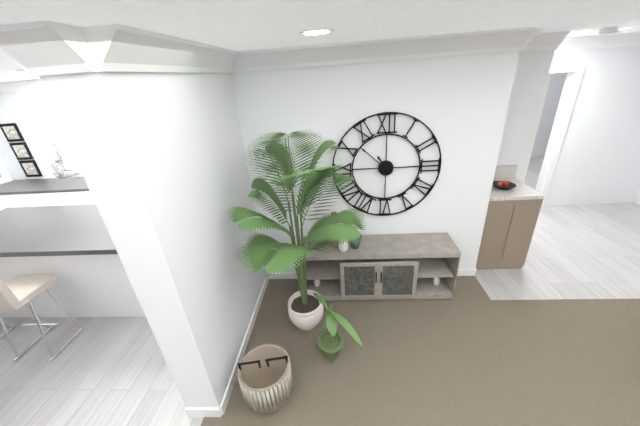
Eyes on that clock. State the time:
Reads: 10:52
